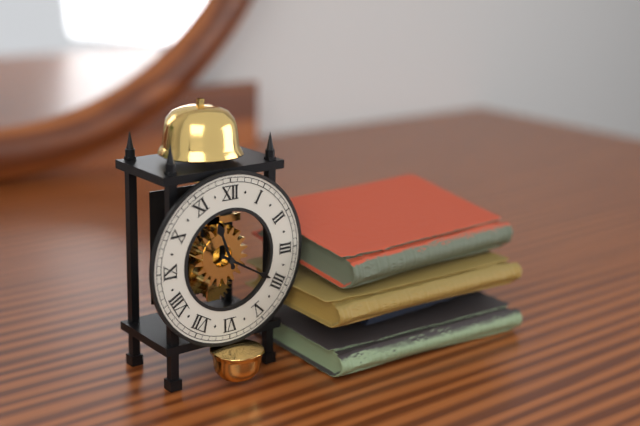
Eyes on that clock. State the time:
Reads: 11:20
